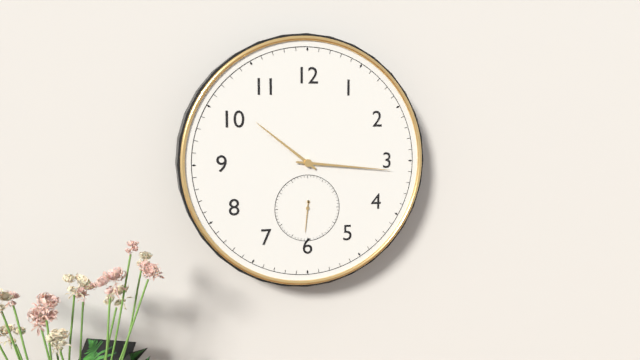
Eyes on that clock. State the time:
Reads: 10:16
